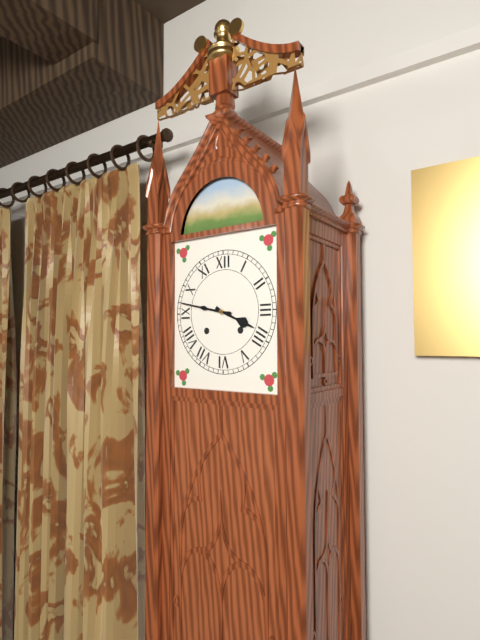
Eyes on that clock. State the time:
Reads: 3:47
